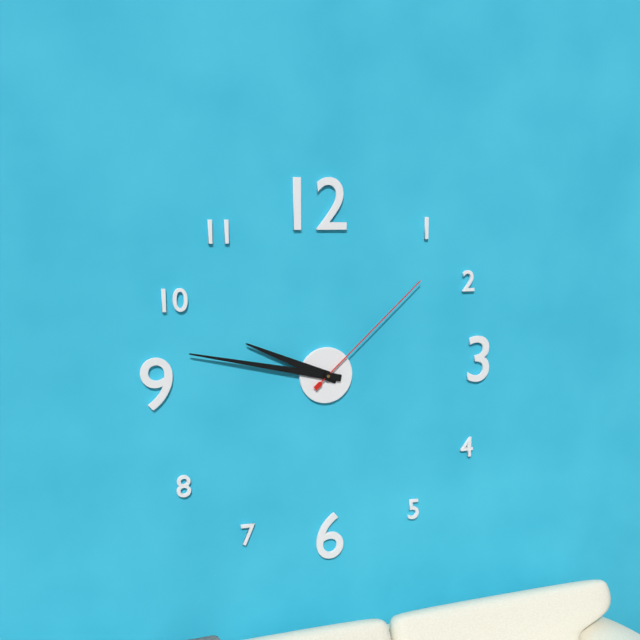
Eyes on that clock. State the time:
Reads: 9:47:08
